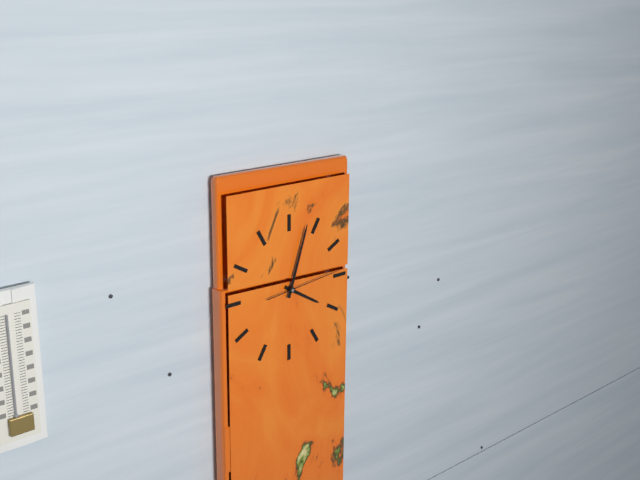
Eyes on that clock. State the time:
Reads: 4:03:14
